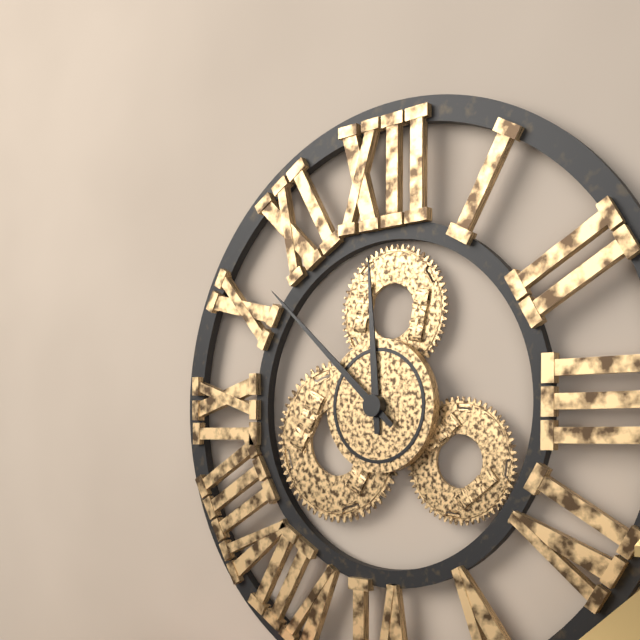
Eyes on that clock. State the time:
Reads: 11:52
